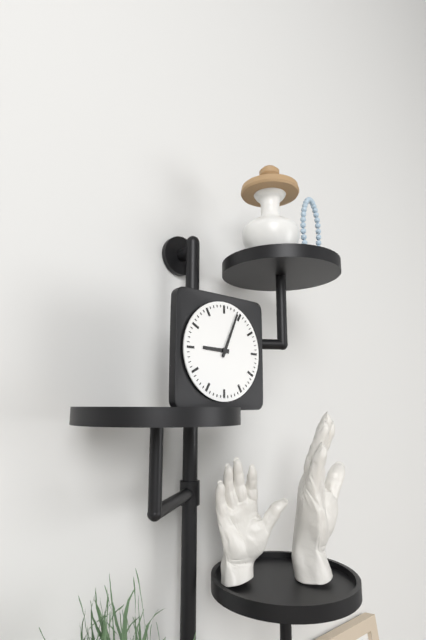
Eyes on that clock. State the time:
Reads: 9:04
